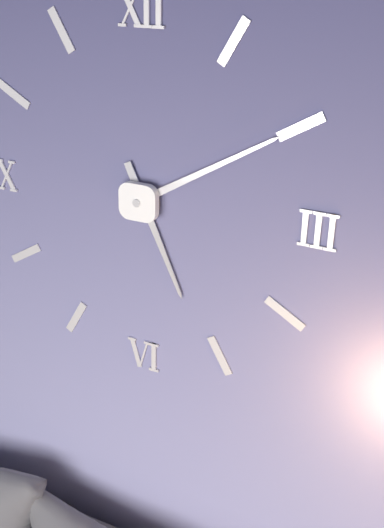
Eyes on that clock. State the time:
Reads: 5:10
